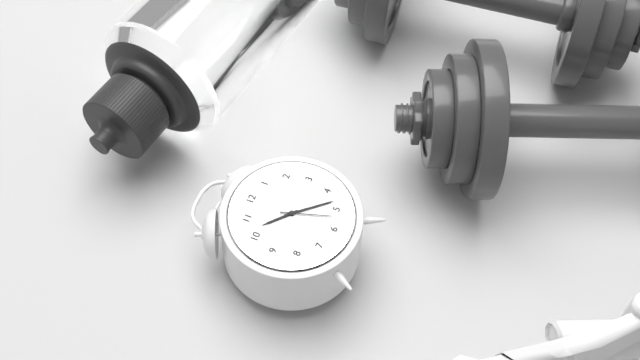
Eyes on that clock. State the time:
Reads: 10:23:27
